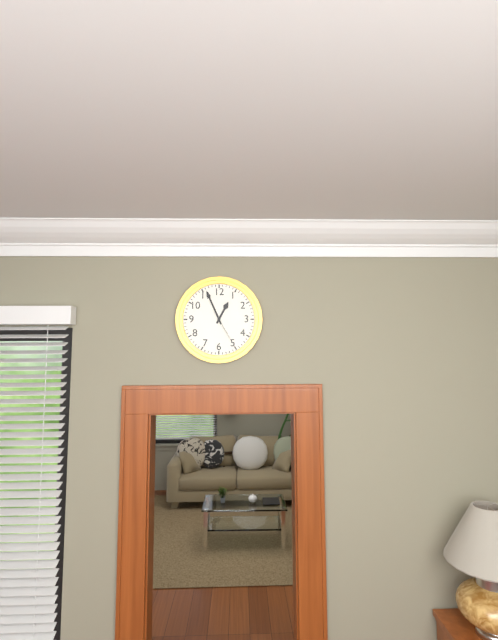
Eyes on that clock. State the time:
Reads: 12:56
